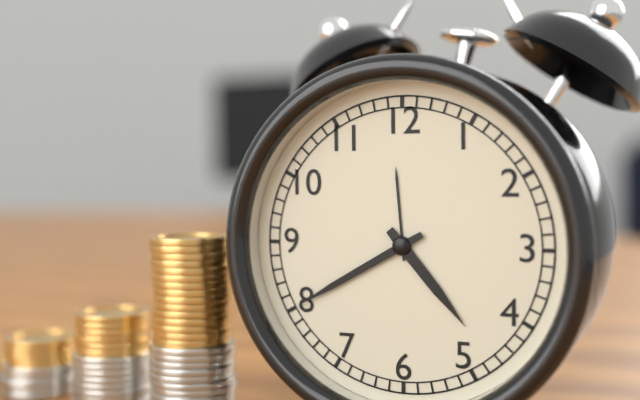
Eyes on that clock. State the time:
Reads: 4:40
